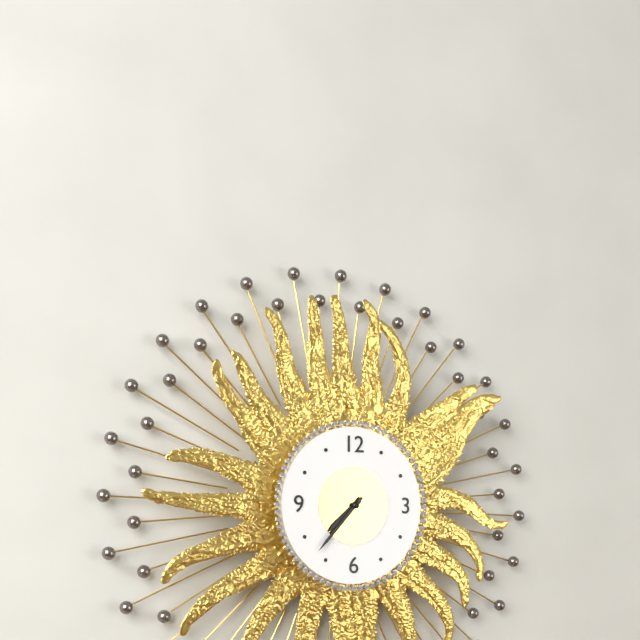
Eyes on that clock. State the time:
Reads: 7:37
